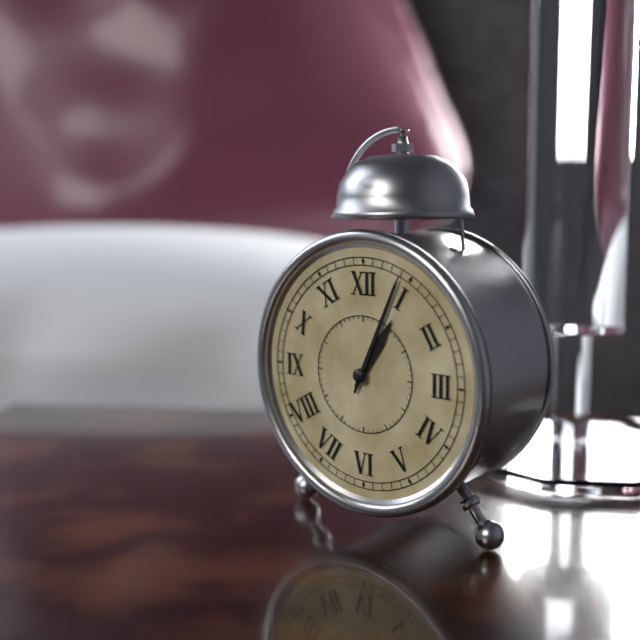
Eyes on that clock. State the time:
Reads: 1:04
